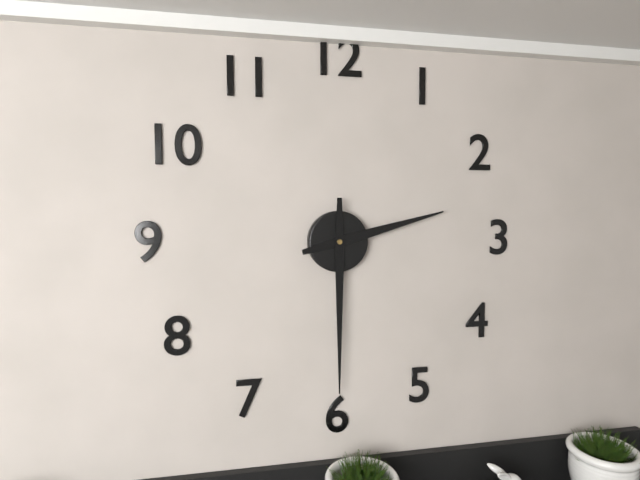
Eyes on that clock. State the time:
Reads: 2:30
